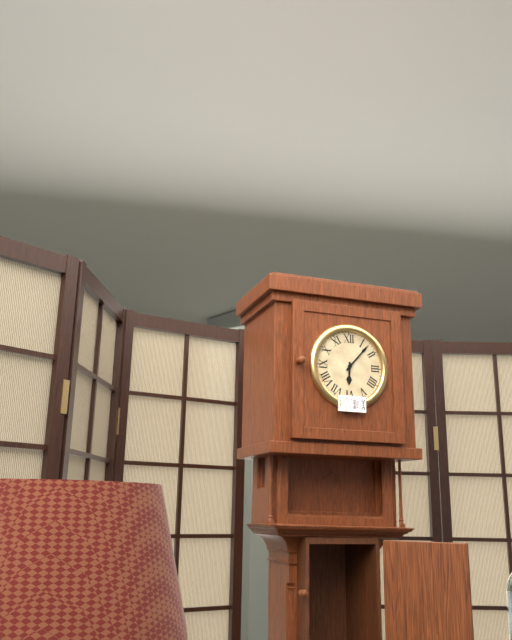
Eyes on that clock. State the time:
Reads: 6:07
